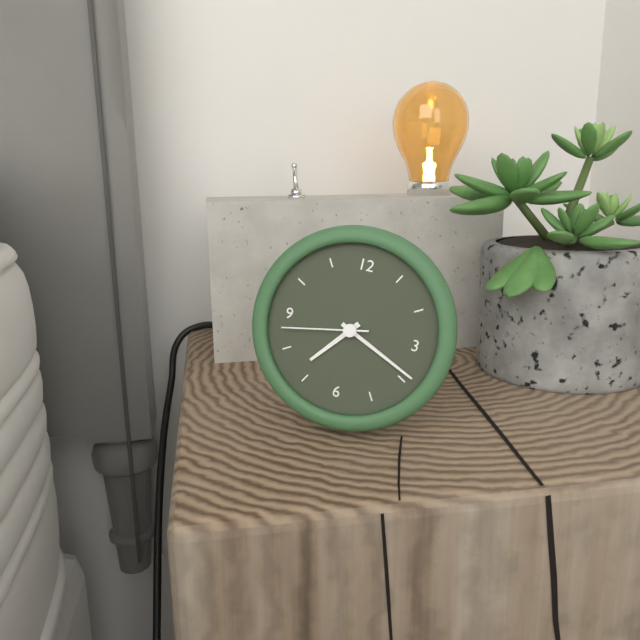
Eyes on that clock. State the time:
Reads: 7:19:43
